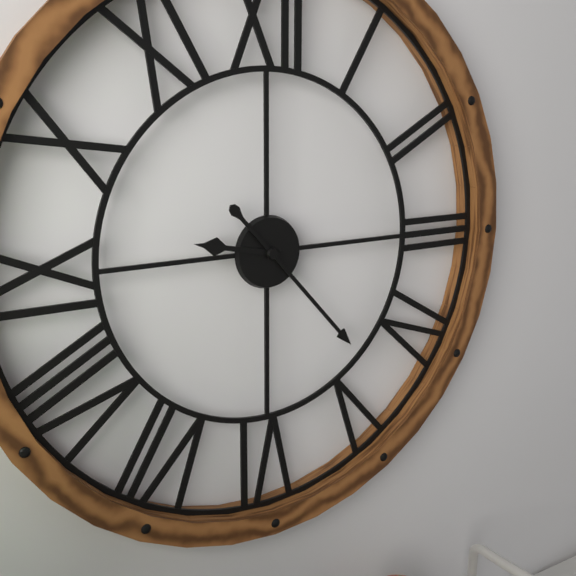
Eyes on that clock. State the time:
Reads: 9:23
